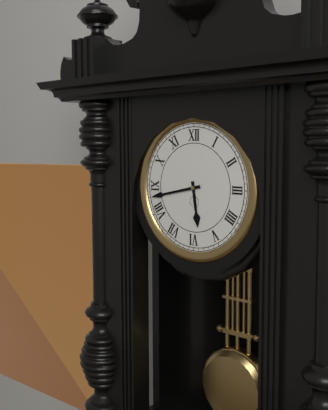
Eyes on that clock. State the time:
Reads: 5:43
